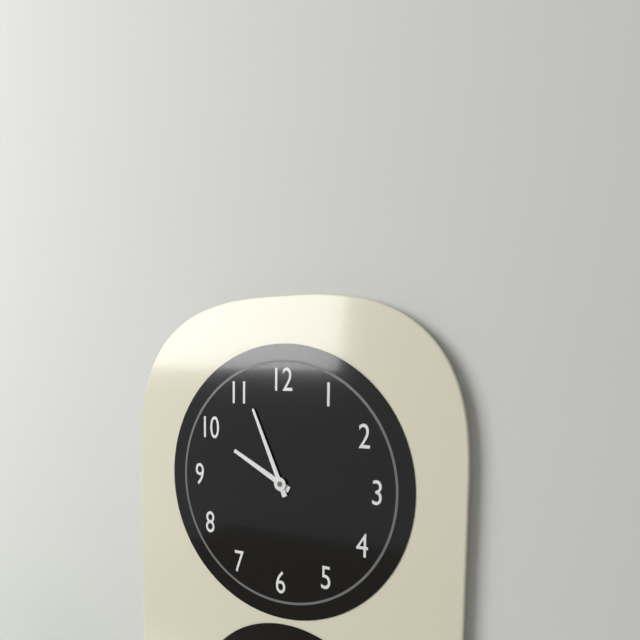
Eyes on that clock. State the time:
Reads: 9:56
